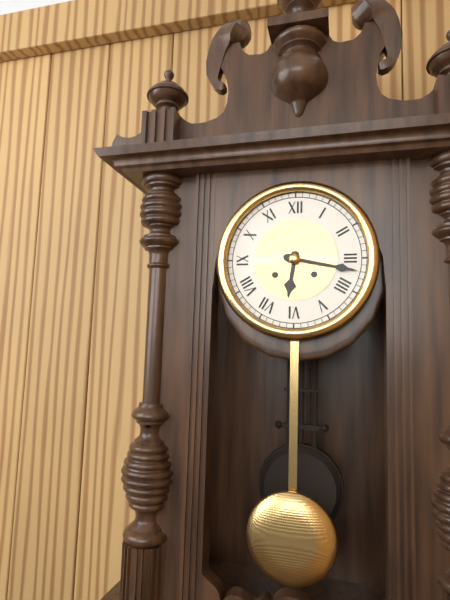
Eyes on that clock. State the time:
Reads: 6:17
